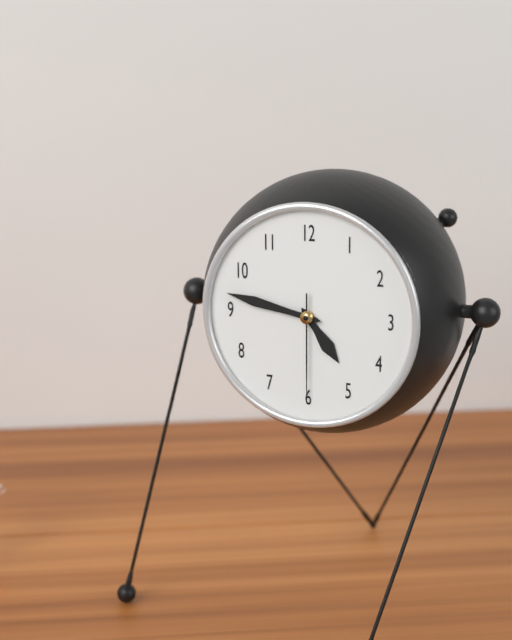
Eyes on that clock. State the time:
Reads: 4:47:30
